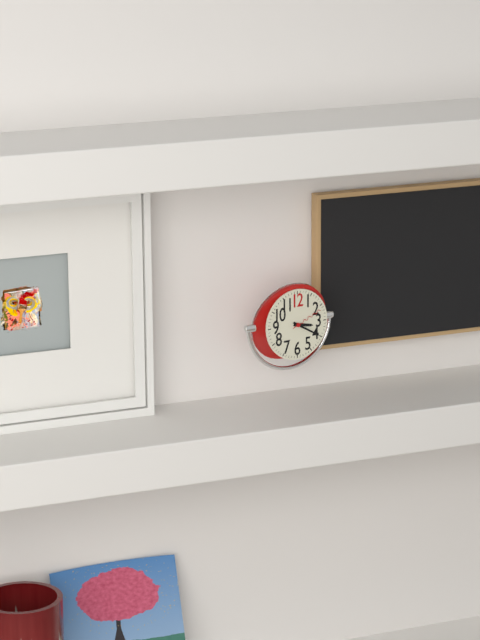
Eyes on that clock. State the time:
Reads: 3:20
